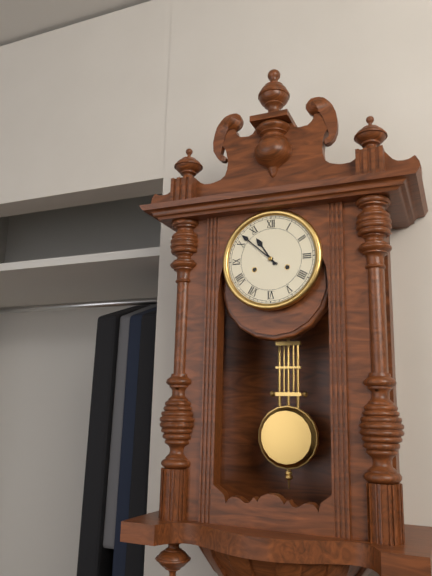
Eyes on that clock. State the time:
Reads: 10:52
